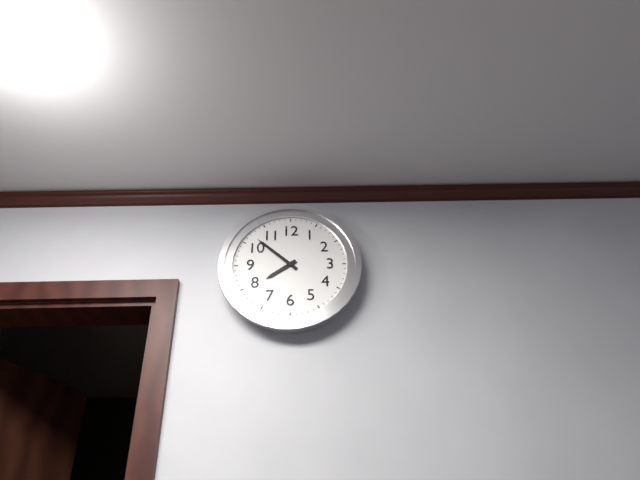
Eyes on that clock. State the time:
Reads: 7:52
